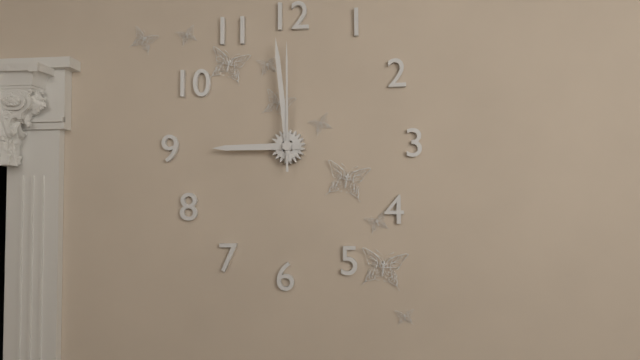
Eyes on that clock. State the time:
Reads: 8:59:00
